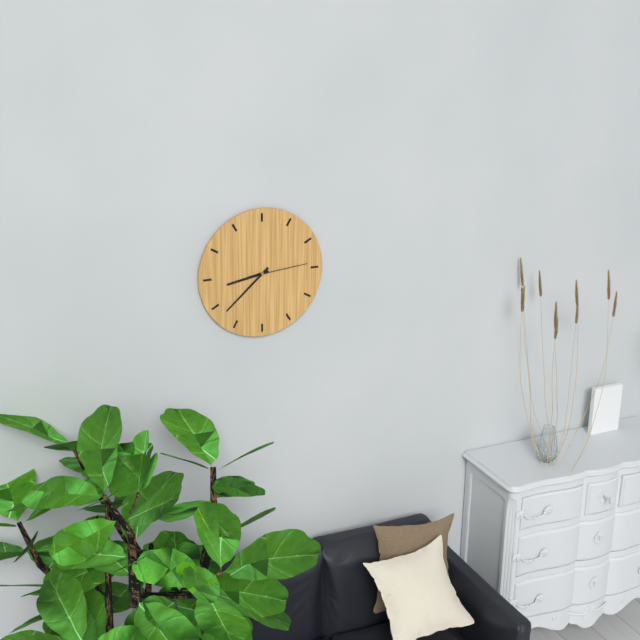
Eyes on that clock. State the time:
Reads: 8:38:14
